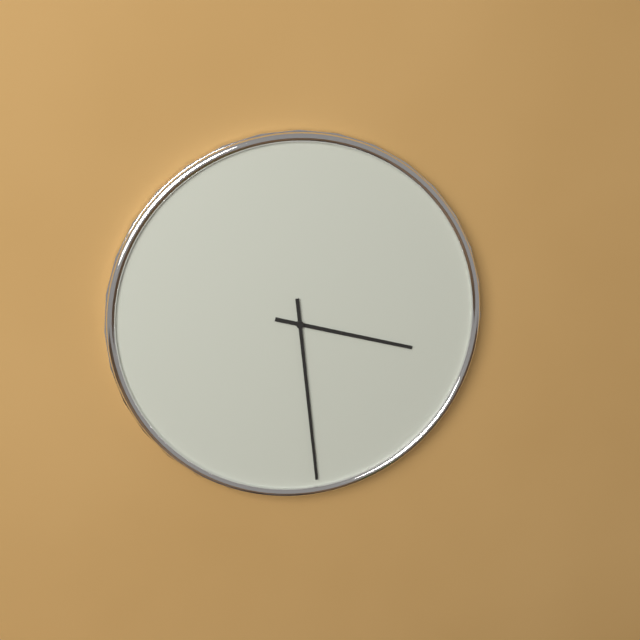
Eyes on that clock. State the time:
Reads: 3:29
